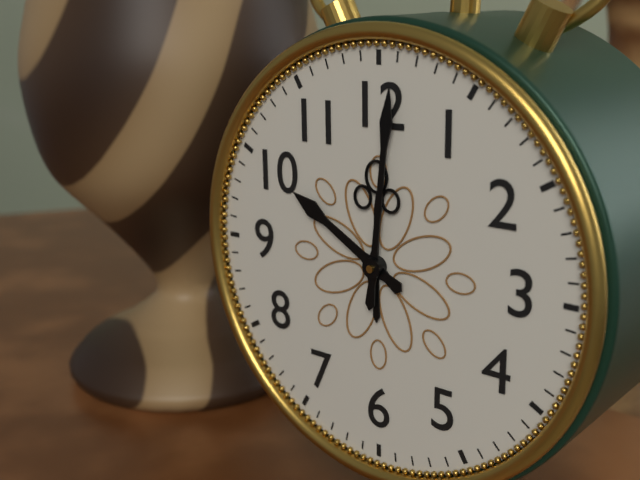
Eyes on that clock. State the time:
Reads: 10:01
